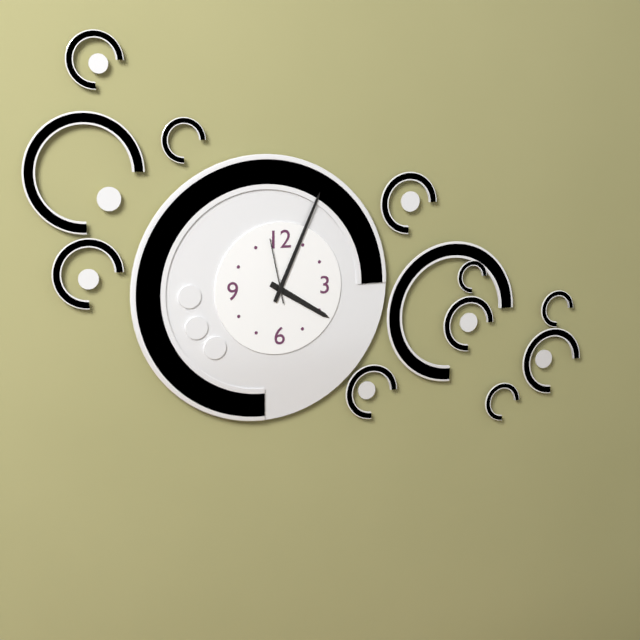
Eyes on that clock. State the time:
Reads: 4:04:58
